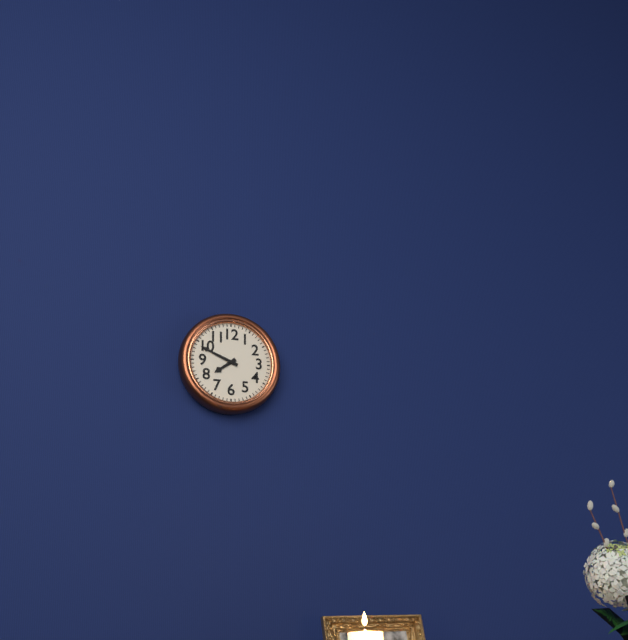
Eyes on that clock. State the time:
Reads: 7:49
